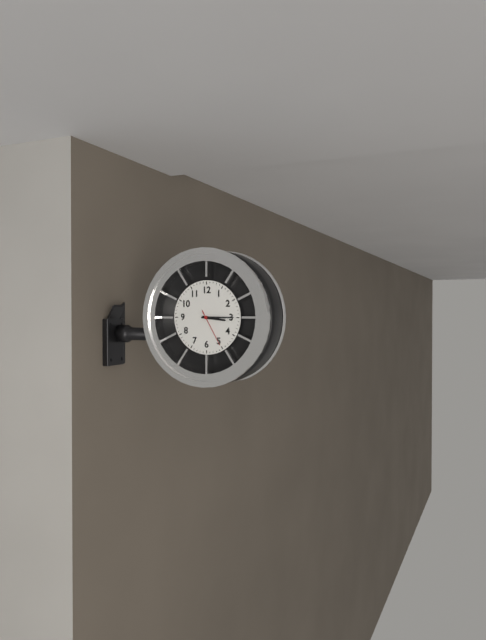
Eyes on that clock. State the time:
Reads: 3:15
